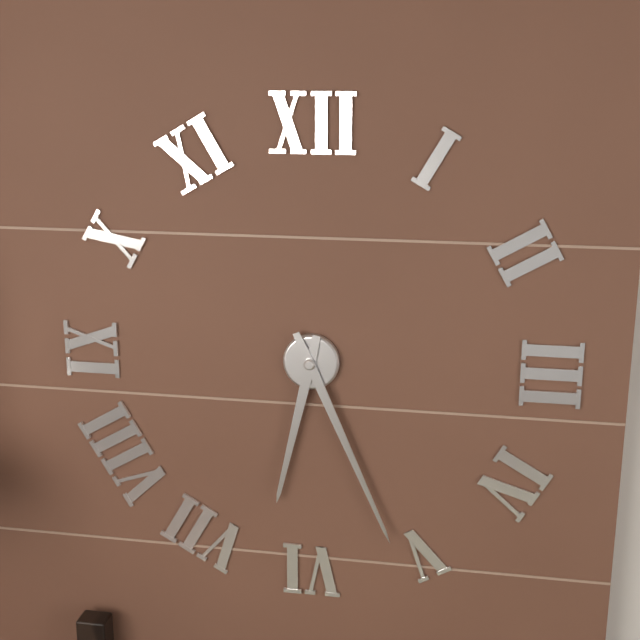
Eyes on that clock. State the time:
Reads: 6:26
